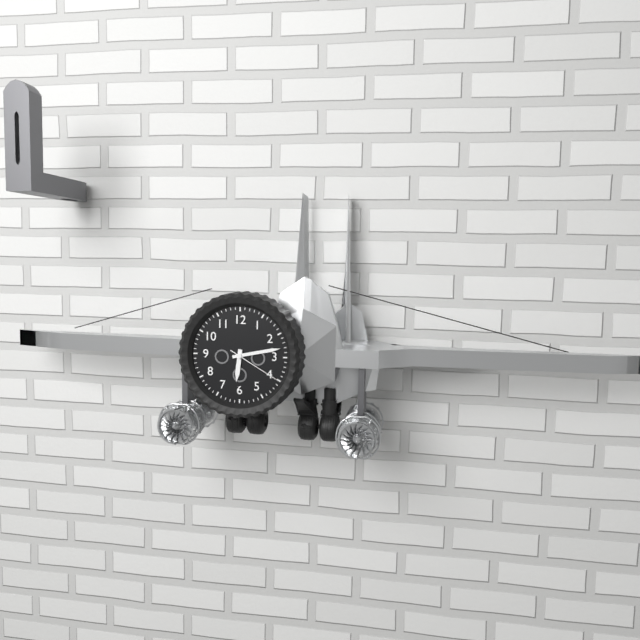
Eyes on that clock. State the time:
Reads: 6:13:20
